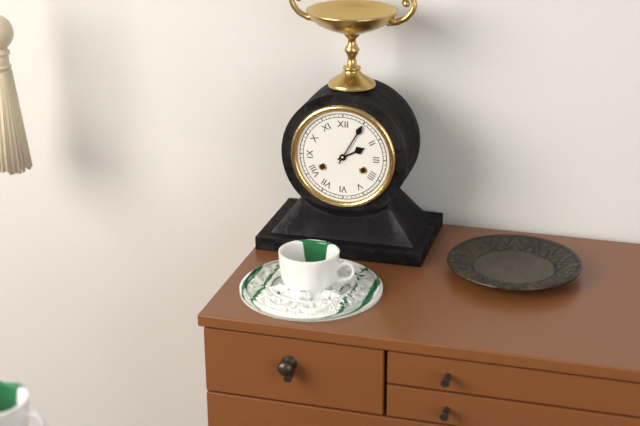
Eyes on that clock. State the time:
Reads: 2:05
